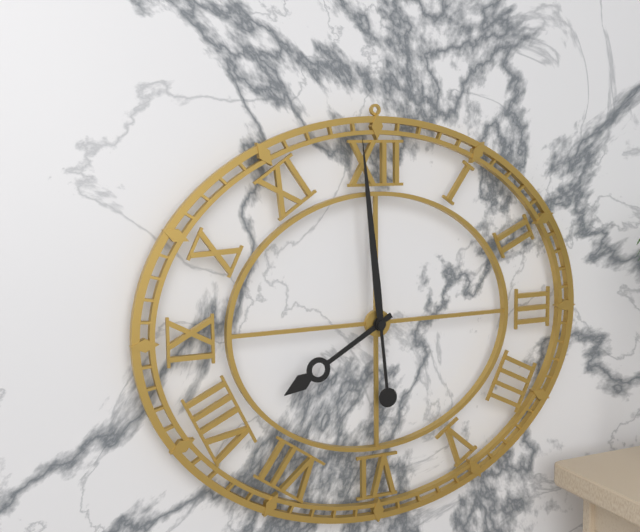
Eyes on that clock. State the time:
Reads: 7:59
